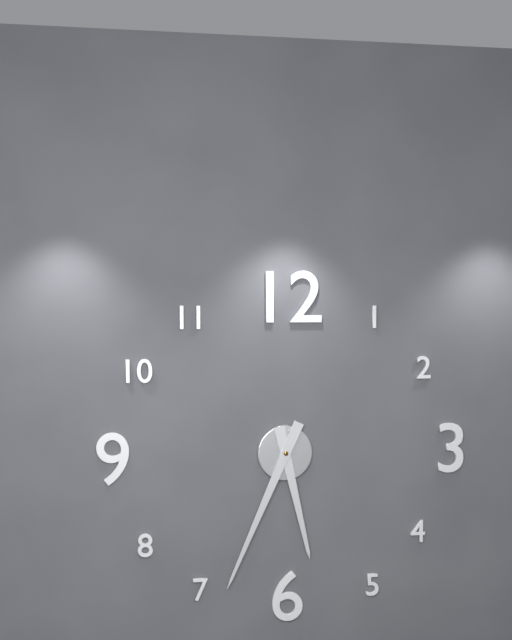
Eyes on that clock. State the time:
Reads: 5:34
